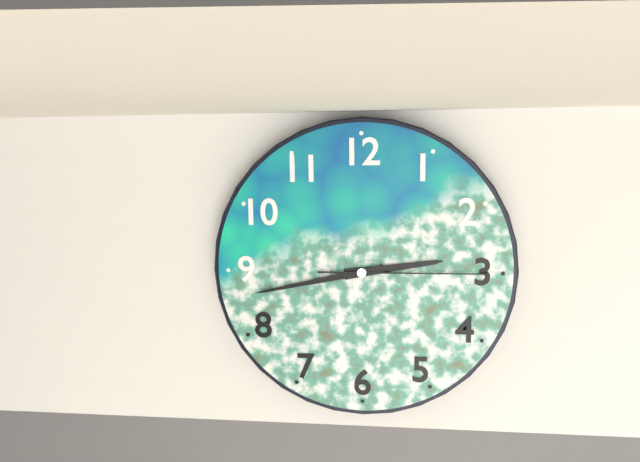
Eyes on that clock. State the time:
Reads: 2:43:15
